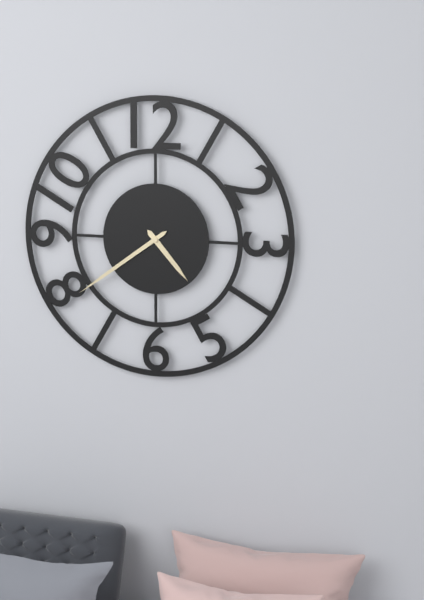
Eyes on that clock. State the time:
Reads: 4:39
